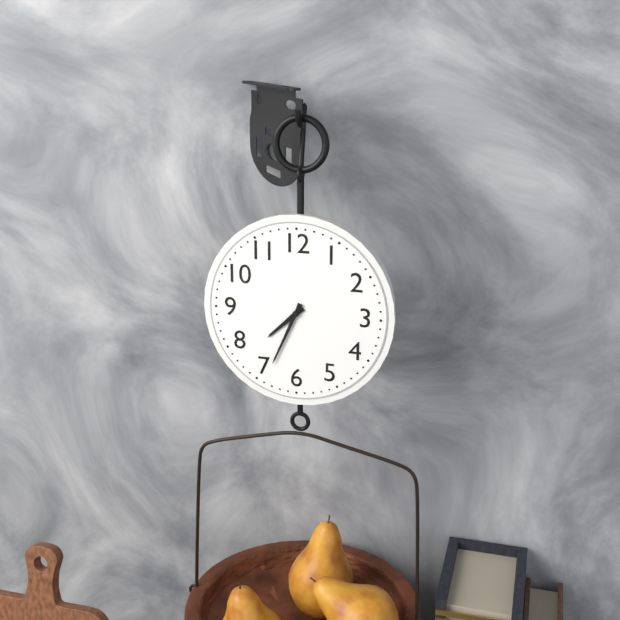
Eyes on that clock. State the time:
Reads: 7:34
